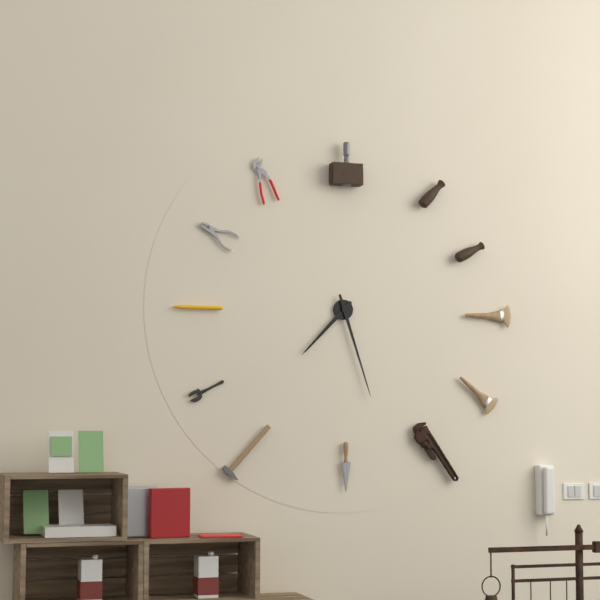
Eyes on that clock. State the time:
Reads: 7:27
